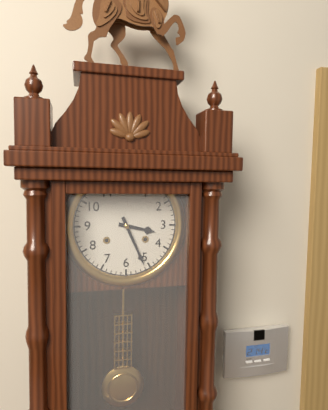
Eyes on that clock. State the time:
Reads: 3:26
